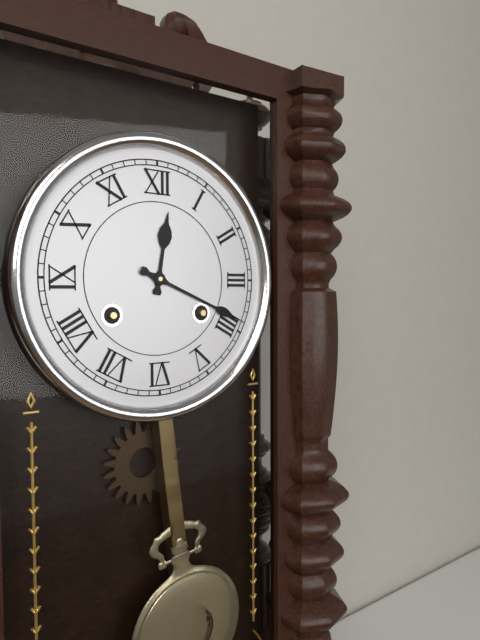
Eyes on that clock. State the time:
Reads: 12:19
